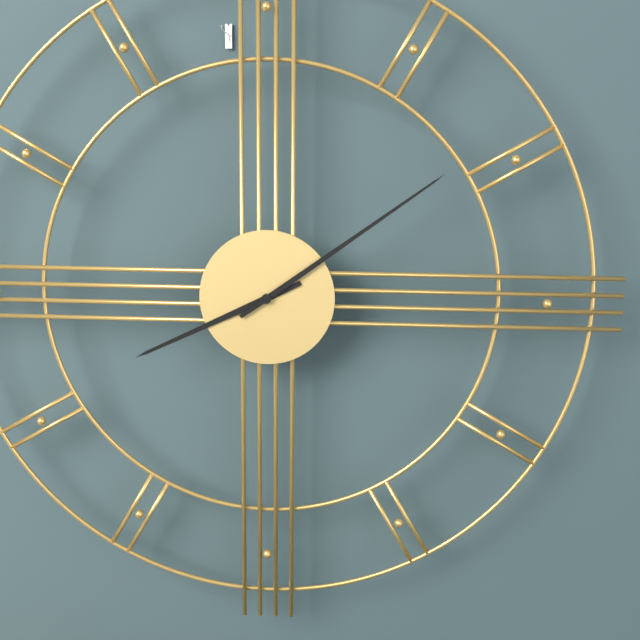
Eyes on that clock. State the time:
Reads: 8:09
